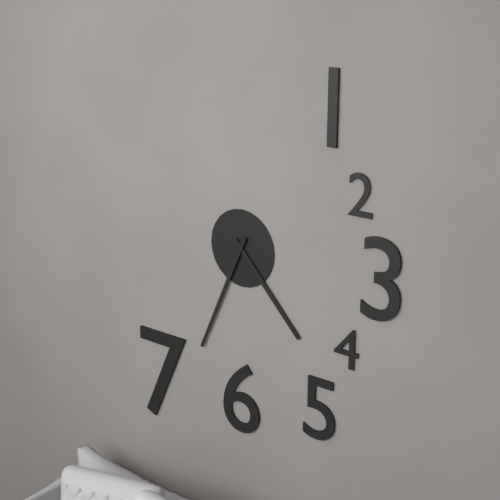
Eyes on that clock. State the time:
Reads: 4:34
